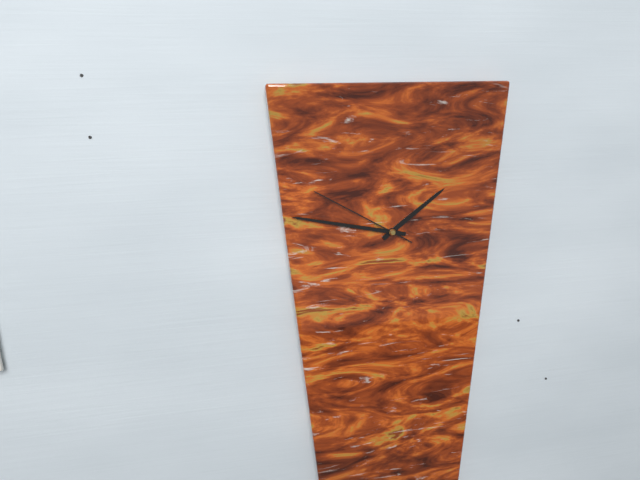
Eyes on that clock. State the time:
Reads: 1:47:50
